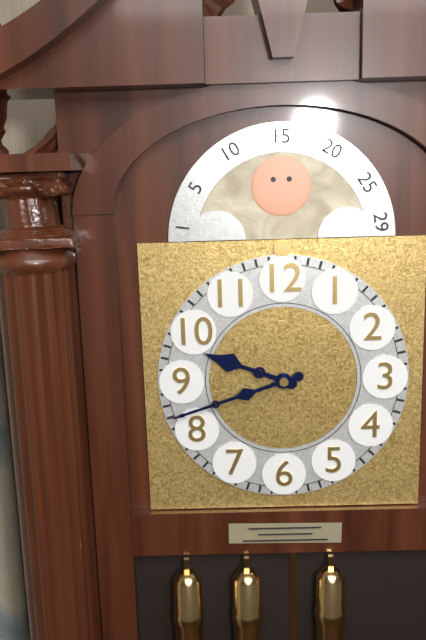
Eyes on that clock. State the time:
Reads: 9:42
